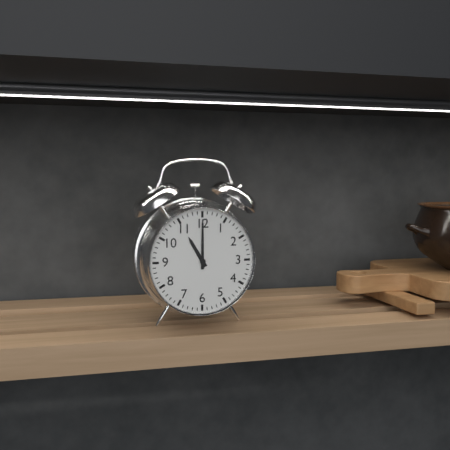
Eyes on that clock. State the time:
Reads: 11:00
